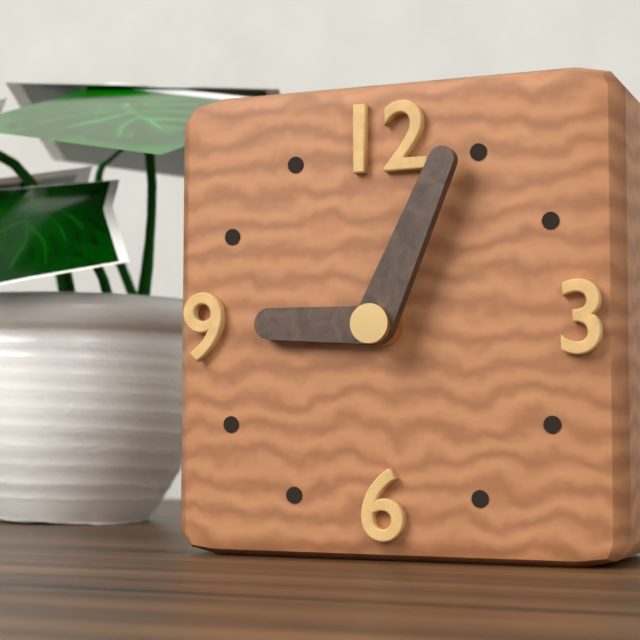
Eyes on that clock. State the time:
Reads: 9:04
